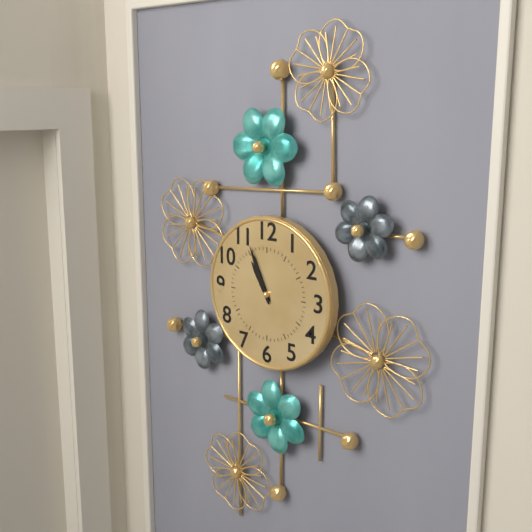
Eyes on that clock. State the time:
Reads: 10:56
